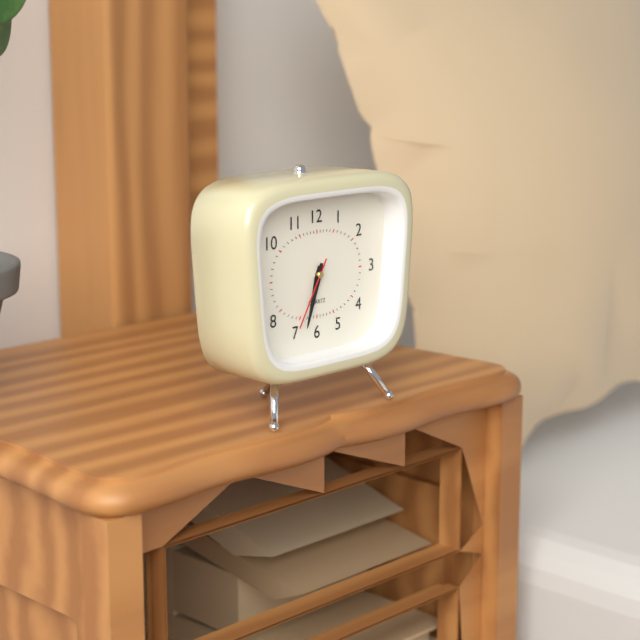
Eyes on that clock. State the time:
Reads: 6:33:35
